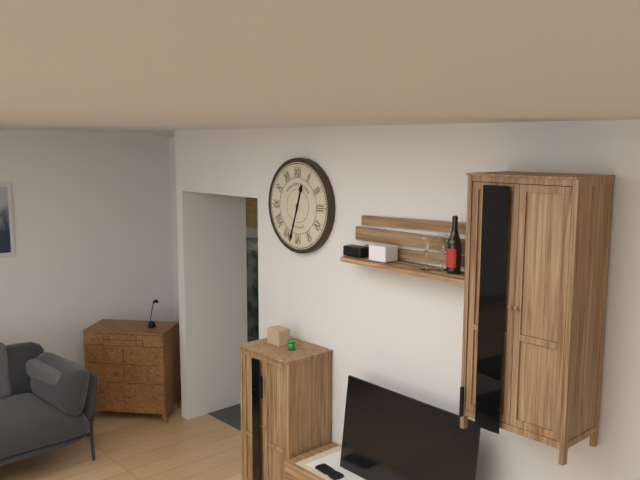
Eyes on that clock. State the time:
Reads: 12:33
